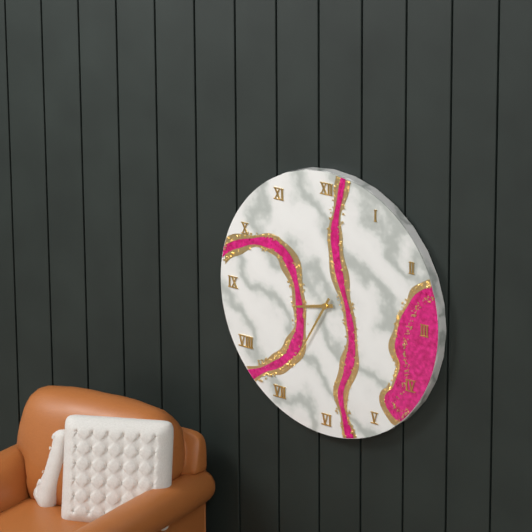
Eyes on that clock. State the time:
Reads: 8:35
